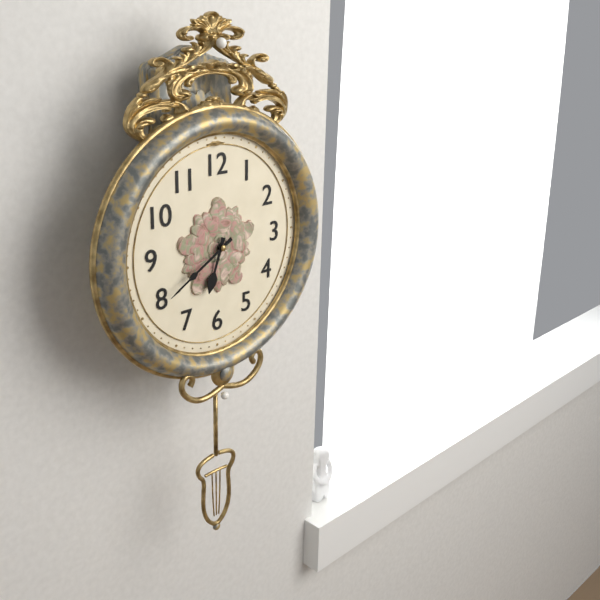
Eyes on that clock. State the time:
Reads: 6:40
